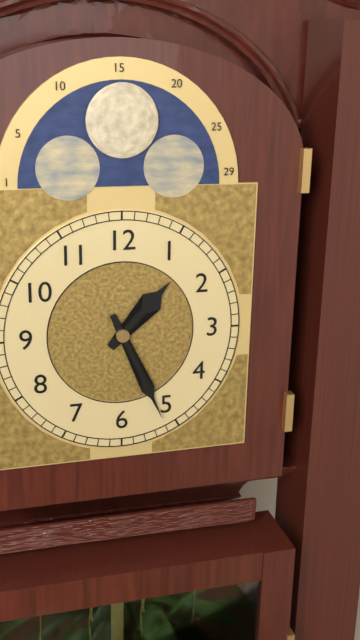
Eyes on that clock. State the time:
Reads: 1:26
